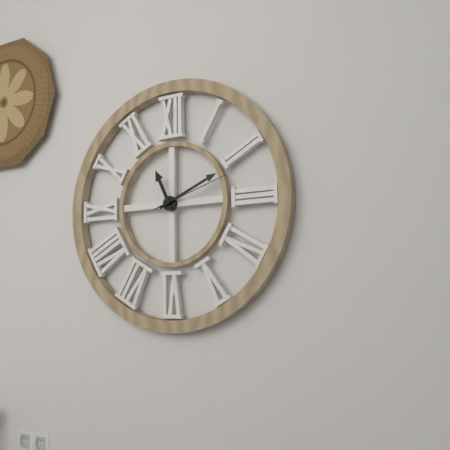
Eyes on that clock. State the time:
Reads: 11:11:12
